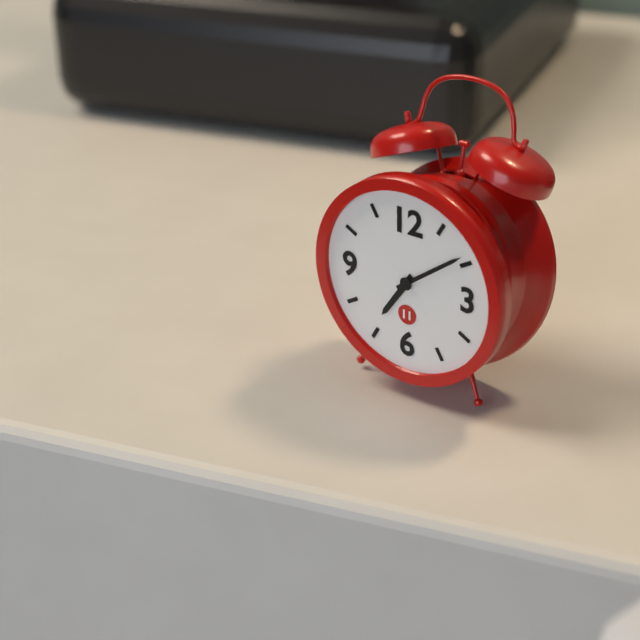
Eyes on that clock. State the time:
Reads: 7:09
